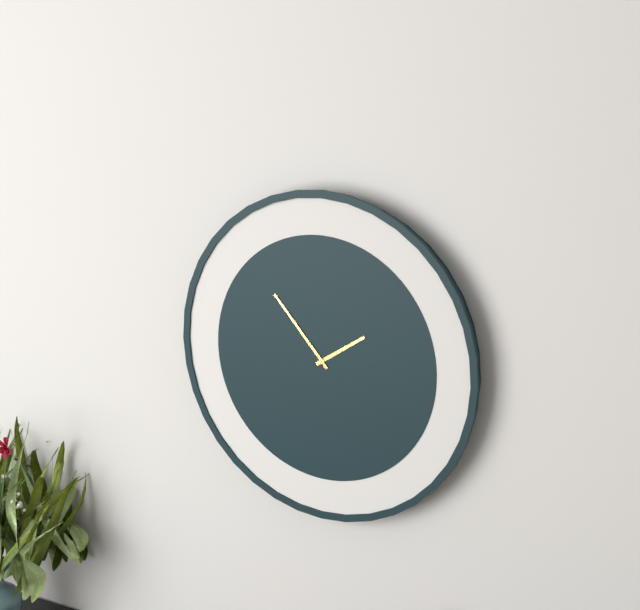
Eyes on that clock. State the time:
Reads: 1:53
